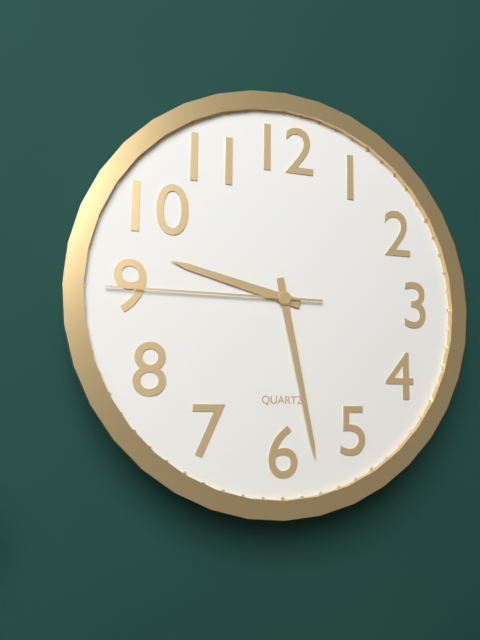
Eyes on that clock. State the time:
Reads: 9:28:45
